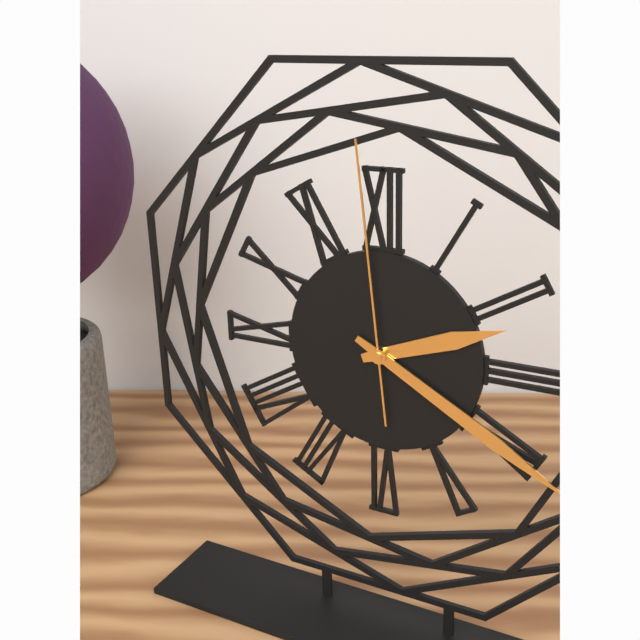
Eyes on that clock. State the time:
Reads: 2:20:59
